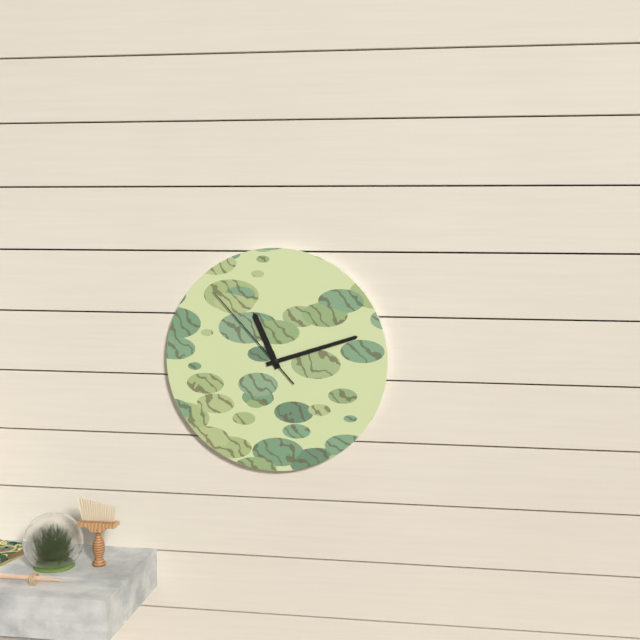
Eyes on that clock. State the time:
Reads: 11:12:53
